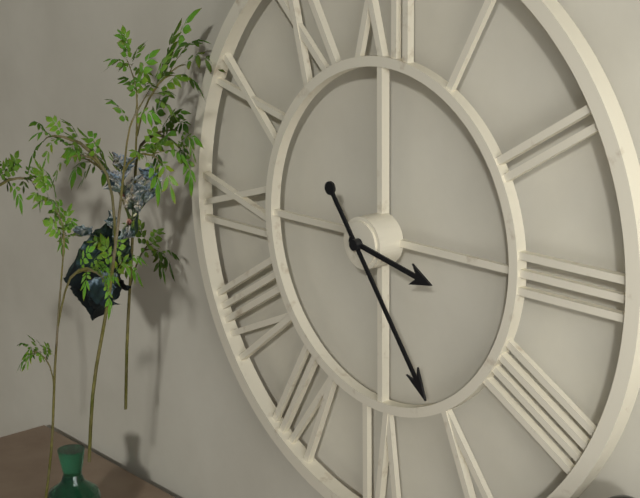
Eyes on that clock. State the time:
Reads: 3:24
